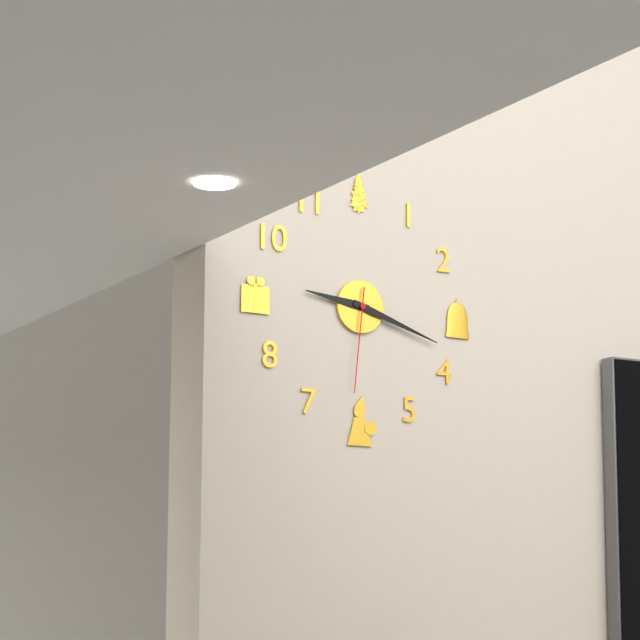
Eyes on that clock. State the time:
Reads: 9:18:31
